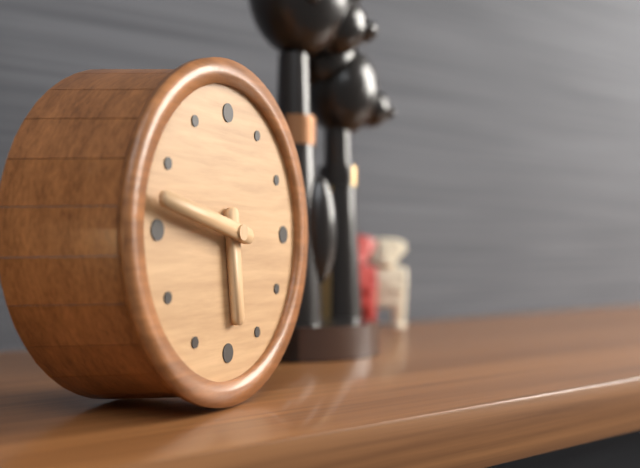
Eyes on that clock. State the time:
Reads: 5:47
